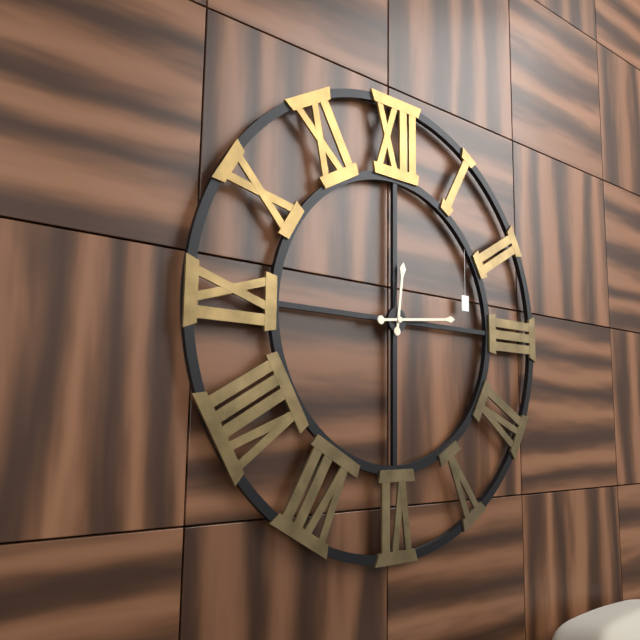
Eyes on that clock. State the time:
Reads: 12:14
